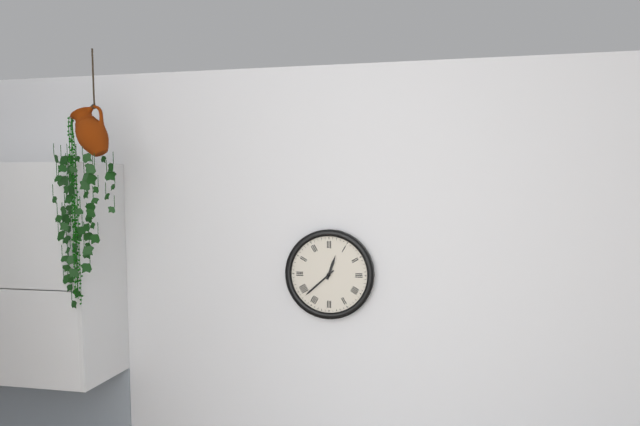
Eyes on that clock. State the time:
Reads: 12:38
